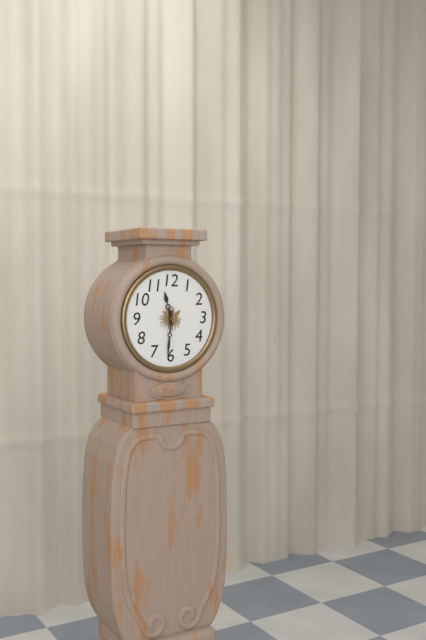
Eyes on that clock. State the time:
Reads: 11:31
